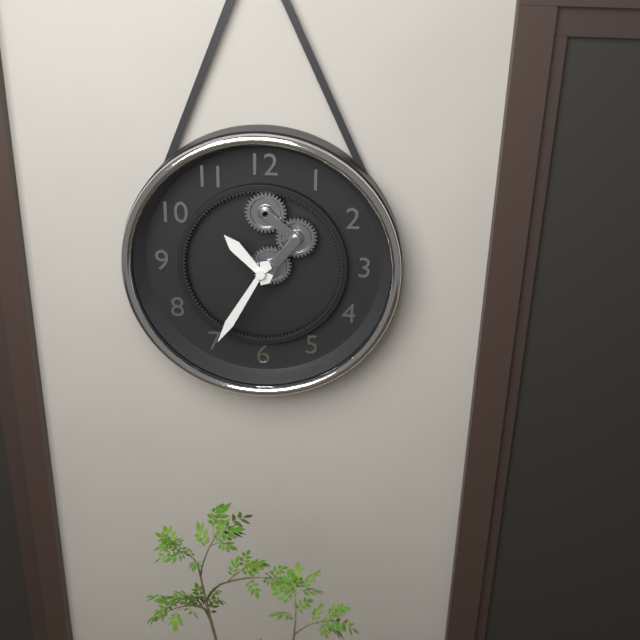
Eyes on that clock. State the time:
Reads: 10:35
